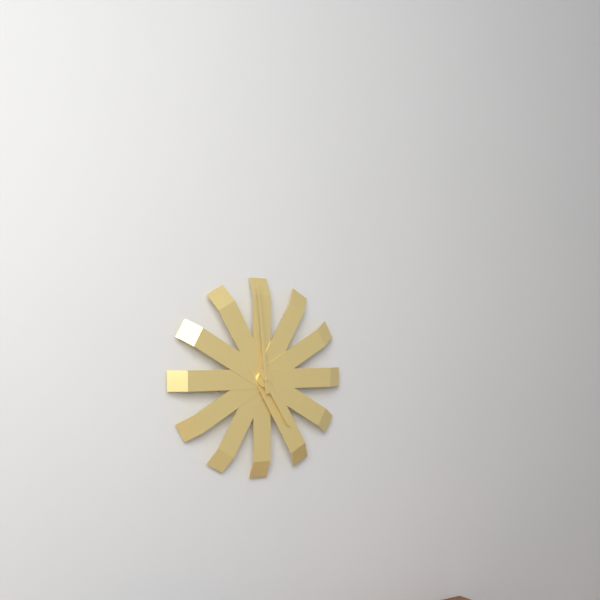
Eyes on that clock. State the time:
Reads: 4:59
